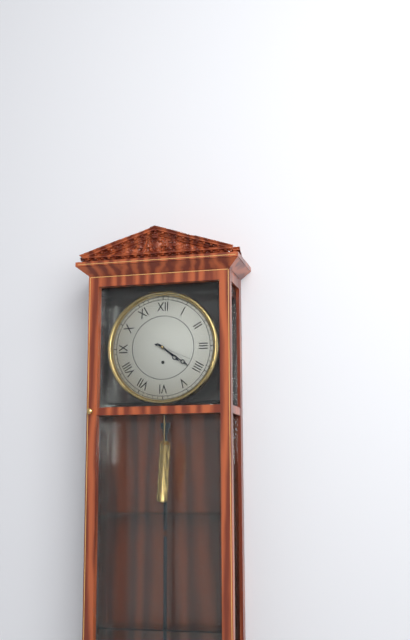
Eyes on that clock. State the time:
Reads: 4:21
